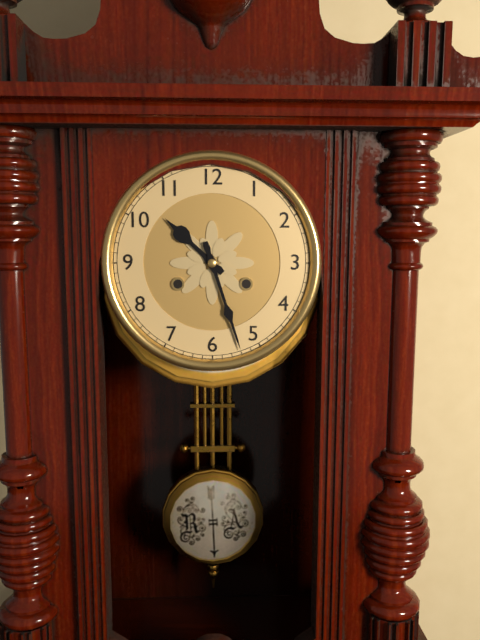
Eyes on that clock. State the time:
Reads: 10:27
